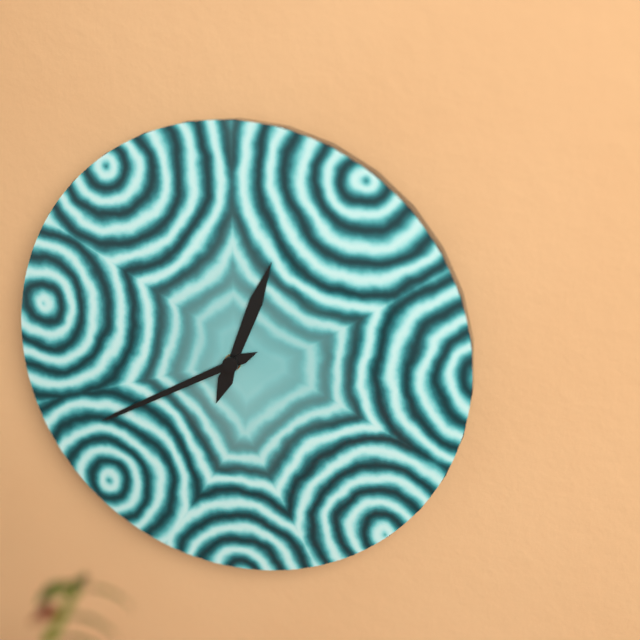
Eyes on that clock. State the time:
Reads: 12:40
